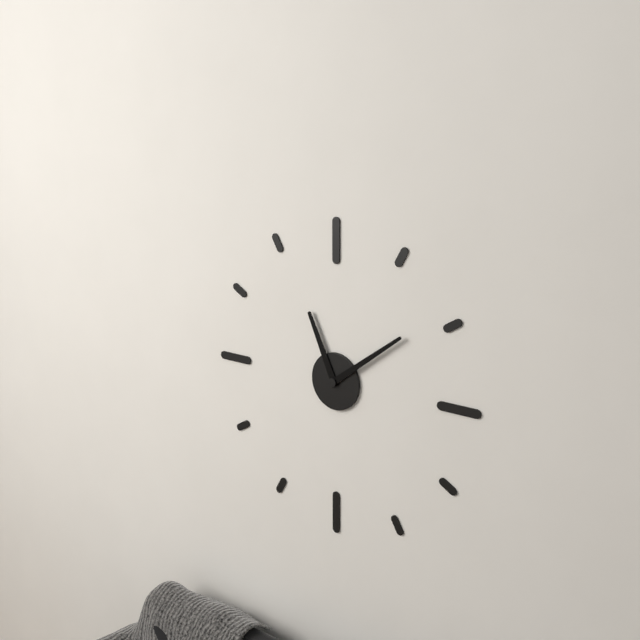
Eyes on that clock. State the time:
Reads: 11:09
